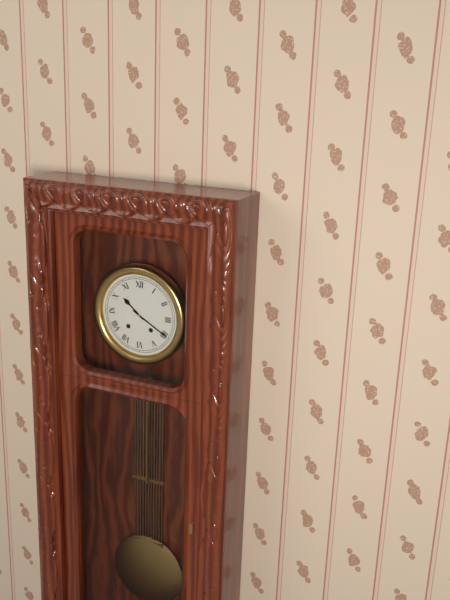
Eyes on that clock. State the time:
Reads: 10:20
